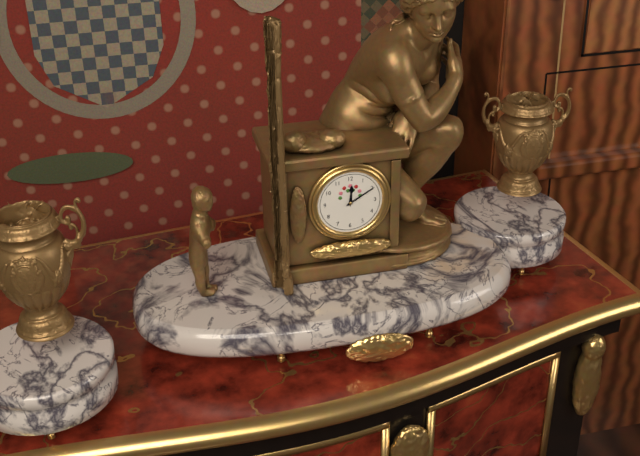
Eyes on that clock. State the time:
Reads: 12:10
